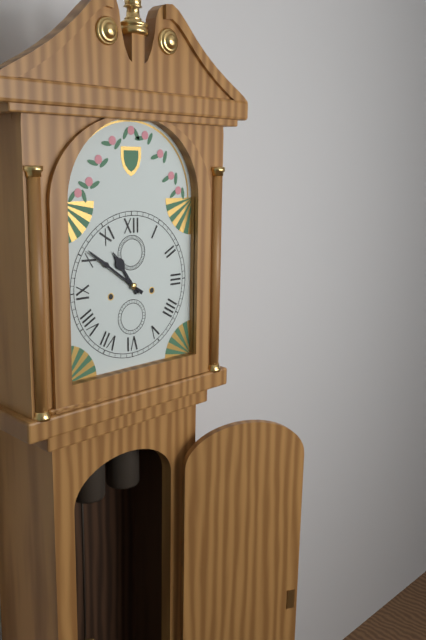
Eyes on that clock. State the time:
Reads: 10:51
